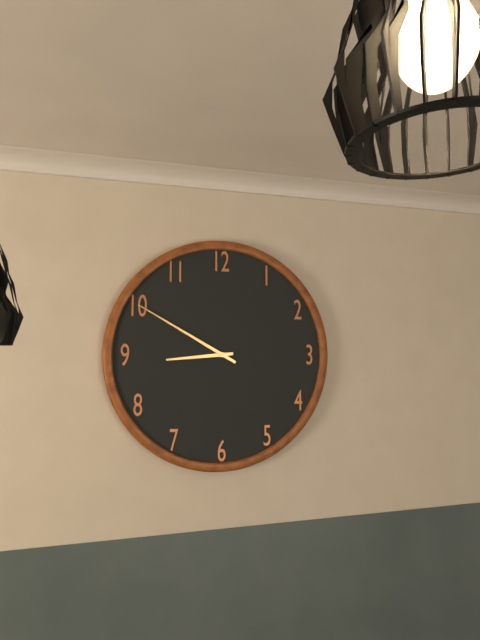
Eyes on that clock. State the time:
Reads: 8:50
